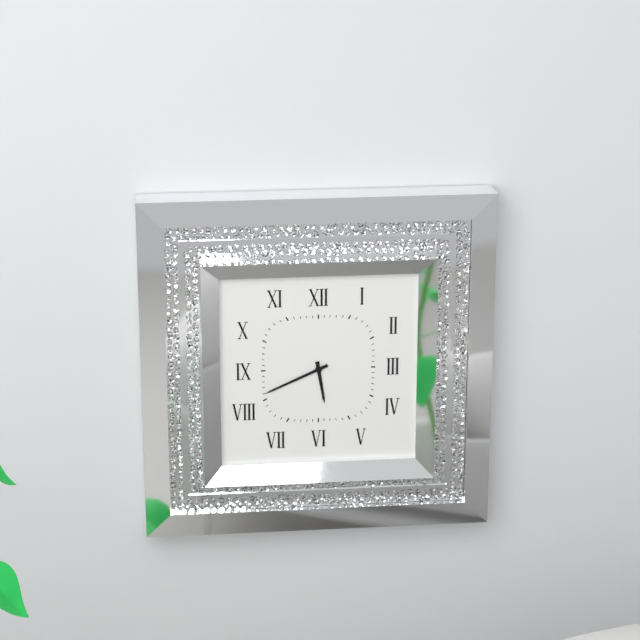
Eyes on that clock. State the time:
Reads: 5:41
